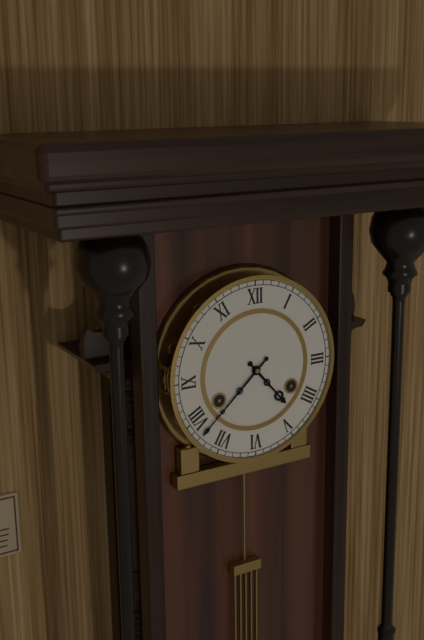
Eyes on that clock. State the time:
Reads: 4:38
